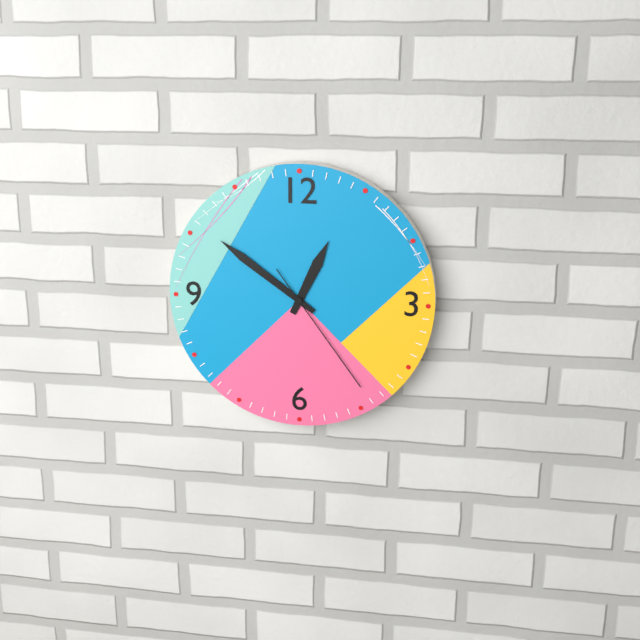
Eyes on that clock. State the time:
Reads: 12:51:24
